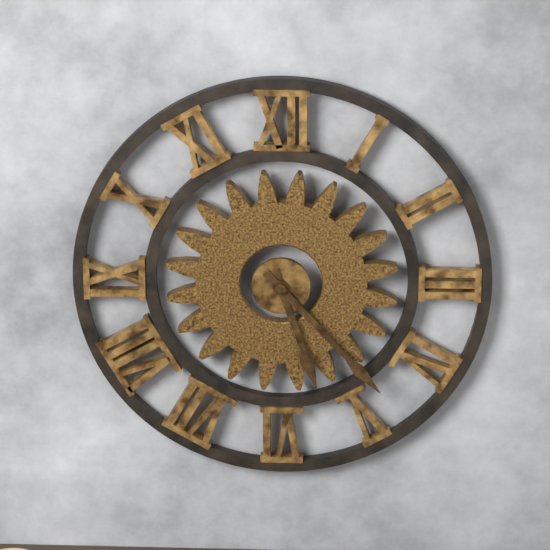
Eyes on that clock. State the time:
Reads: 5:23
